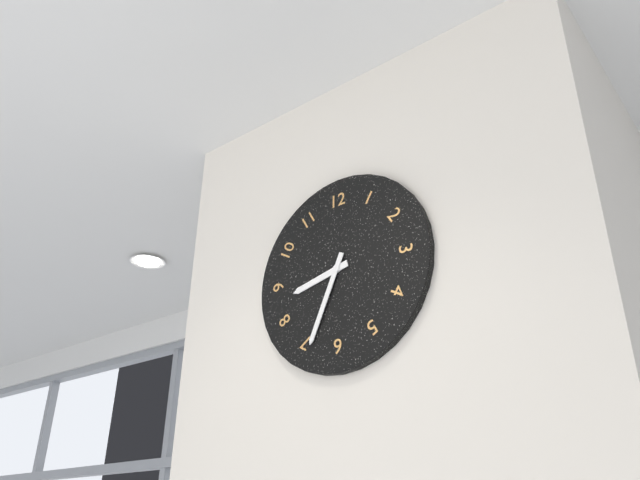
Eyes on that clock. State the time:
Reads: 8:34
